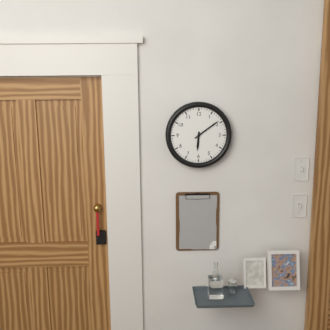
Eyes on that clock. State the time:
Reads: 6:09
